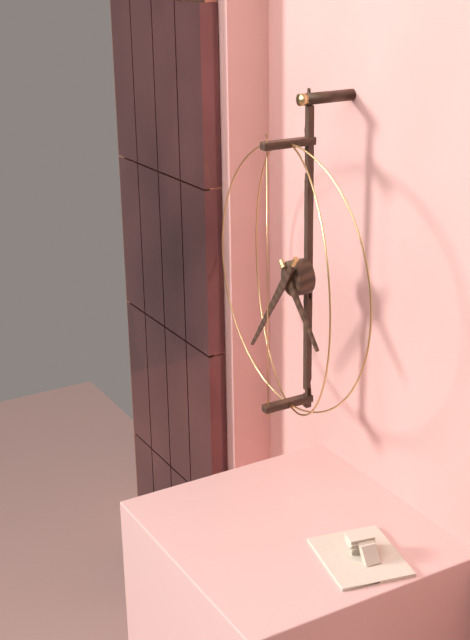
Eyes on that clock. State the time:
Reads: 4:36
